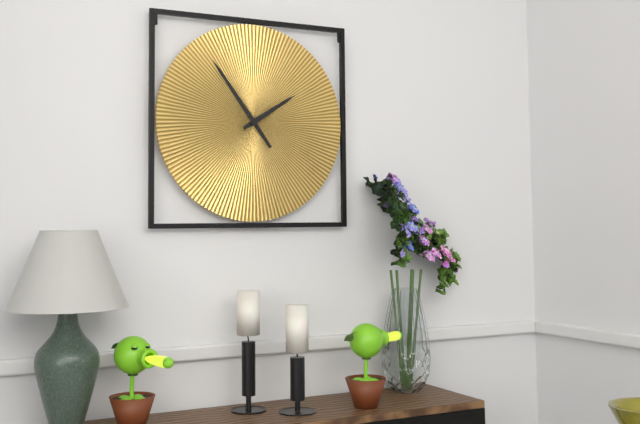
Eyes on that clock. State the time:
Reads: 1:54
